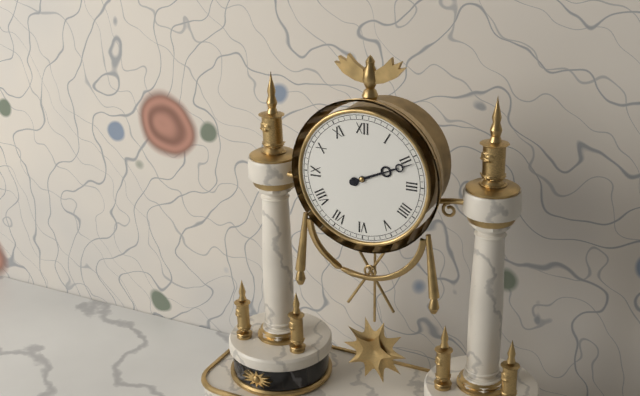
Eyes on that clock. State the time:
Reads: 2:11
